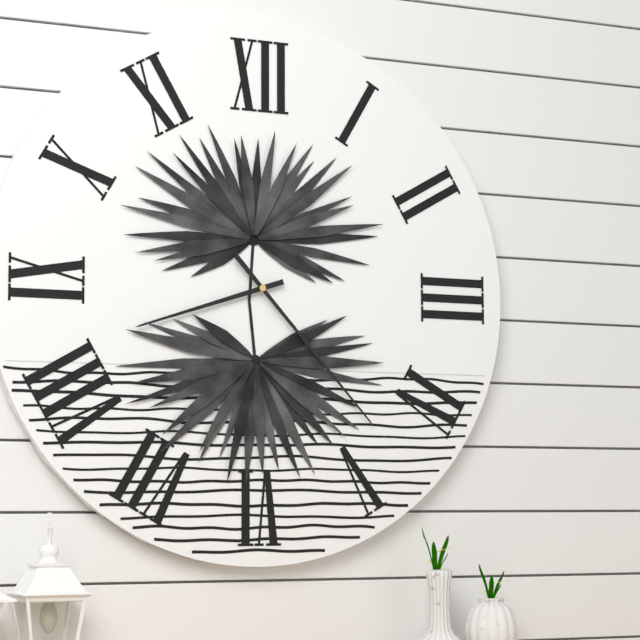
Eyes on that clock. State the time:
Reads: 8:23
